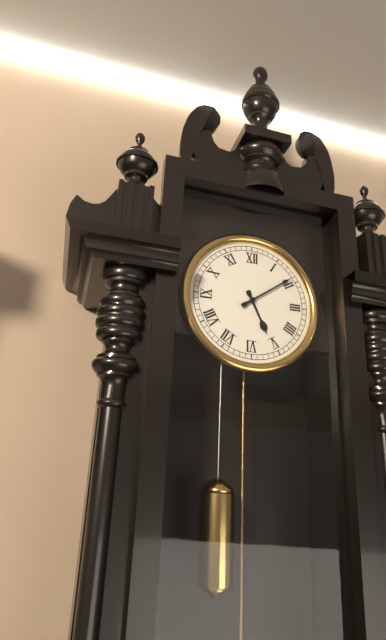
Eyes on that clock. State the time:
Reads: 5:09
